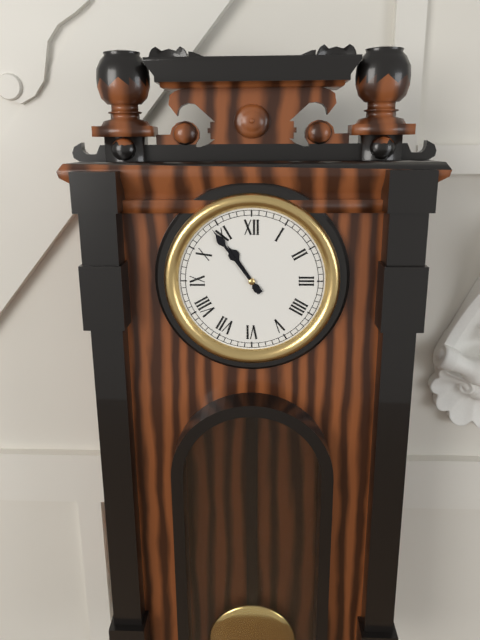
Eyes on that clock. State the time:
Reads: 10:54
